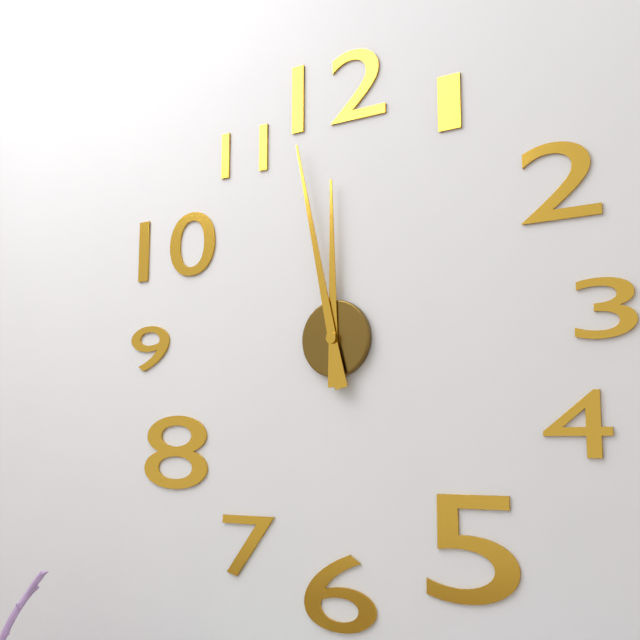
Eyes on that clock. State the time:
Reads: 11:58
